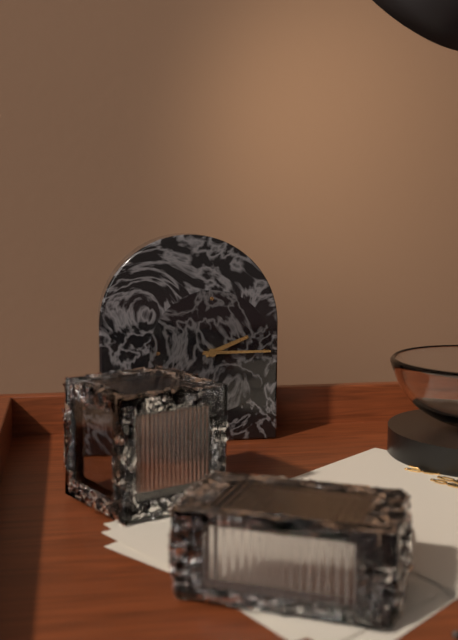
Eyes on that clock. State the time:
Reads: 2:15
